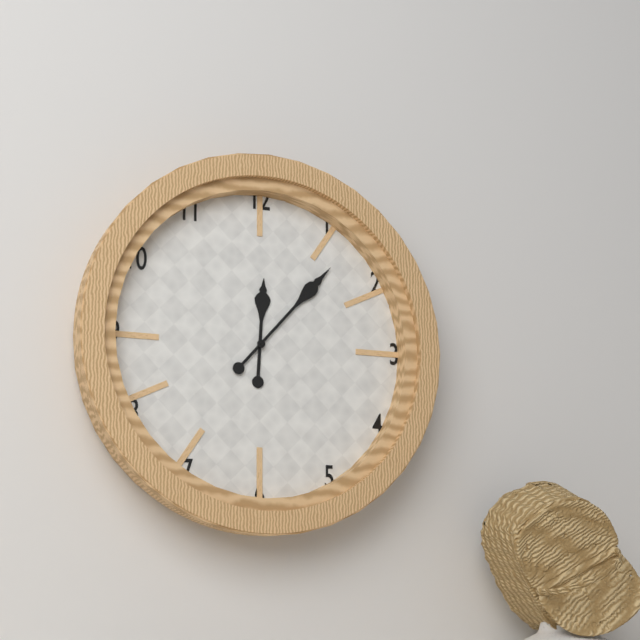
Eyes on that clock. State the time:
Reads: 12:07
